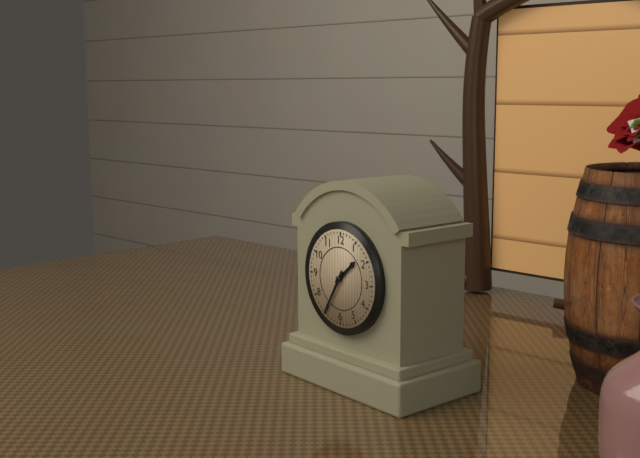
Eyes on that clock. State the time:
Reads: 1:35
